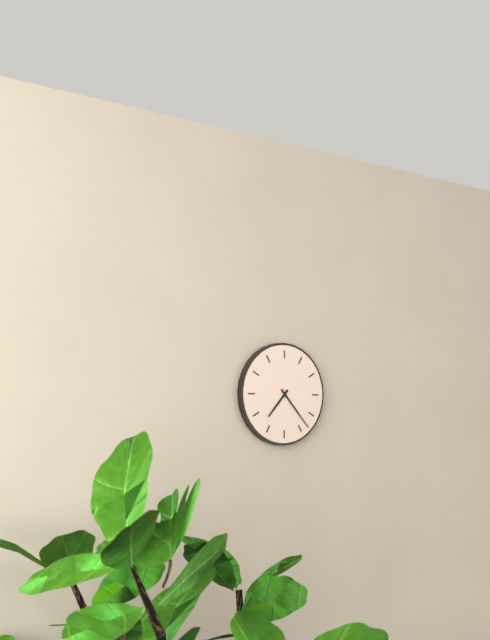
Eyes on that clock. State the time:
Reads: 7:23
